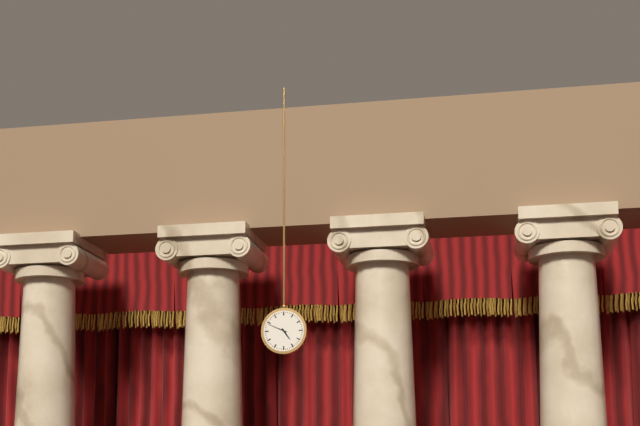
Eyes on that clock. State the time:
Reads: 4:49
